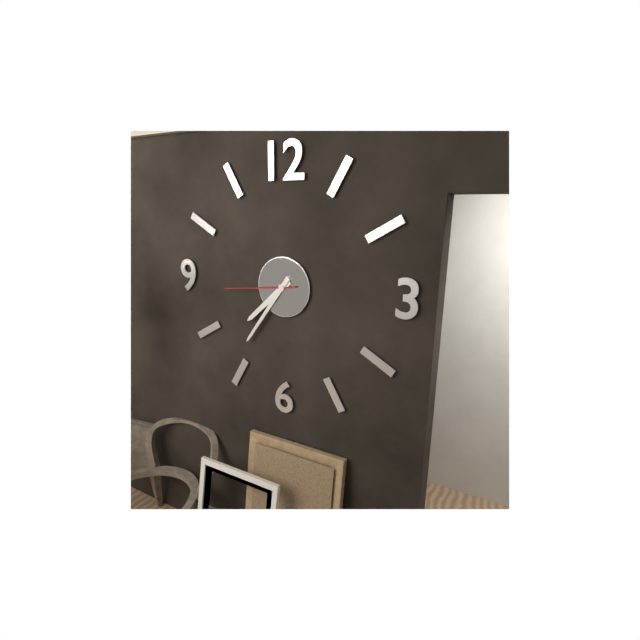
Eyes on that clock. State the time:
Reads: 7:36:44
